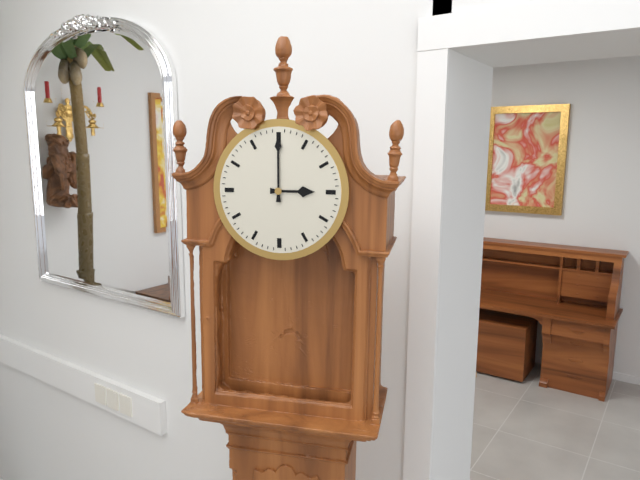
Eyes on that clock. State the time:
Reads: 3:00
